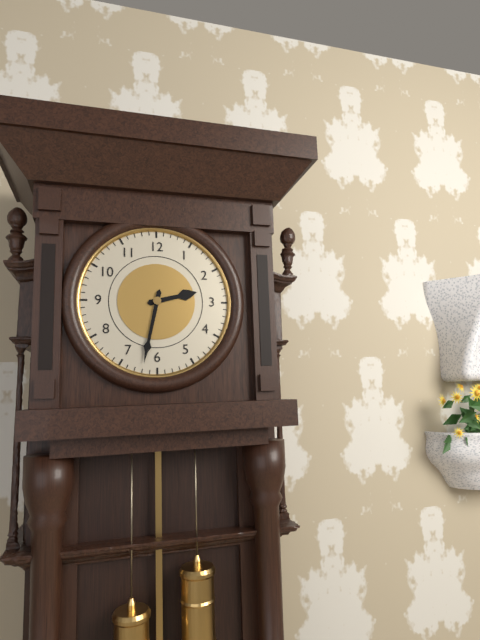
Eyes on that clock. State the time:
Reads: 2:32
